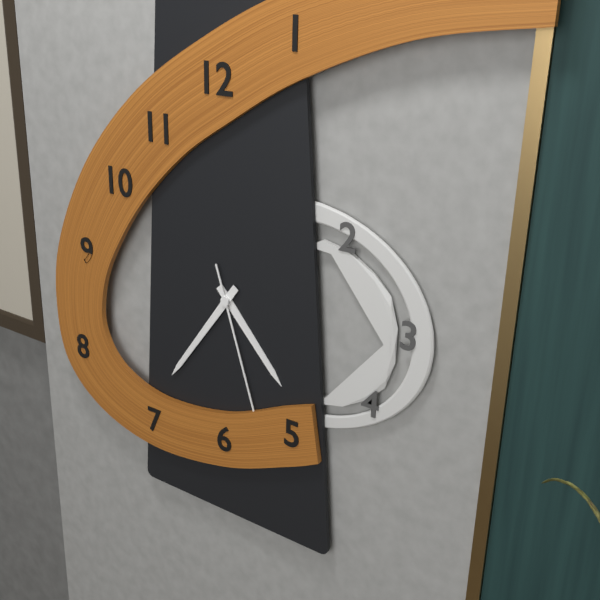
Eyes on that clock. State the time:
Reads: 4:36:27
